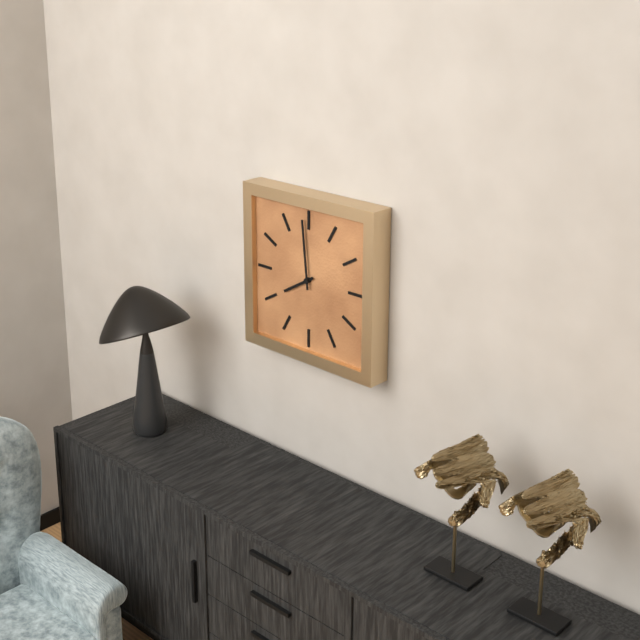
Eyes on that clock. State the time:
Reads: 7:59
